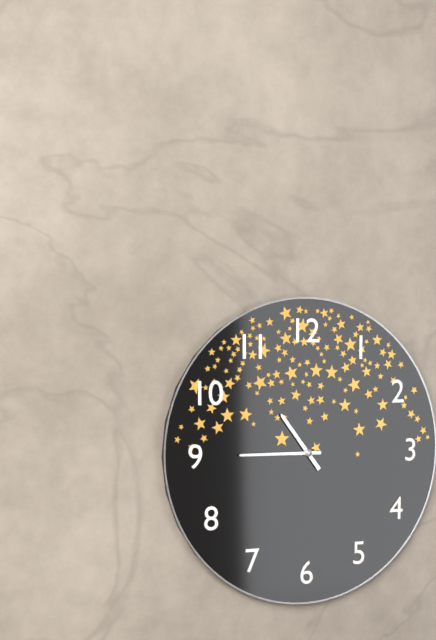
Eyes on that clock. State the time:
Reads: 10:45
